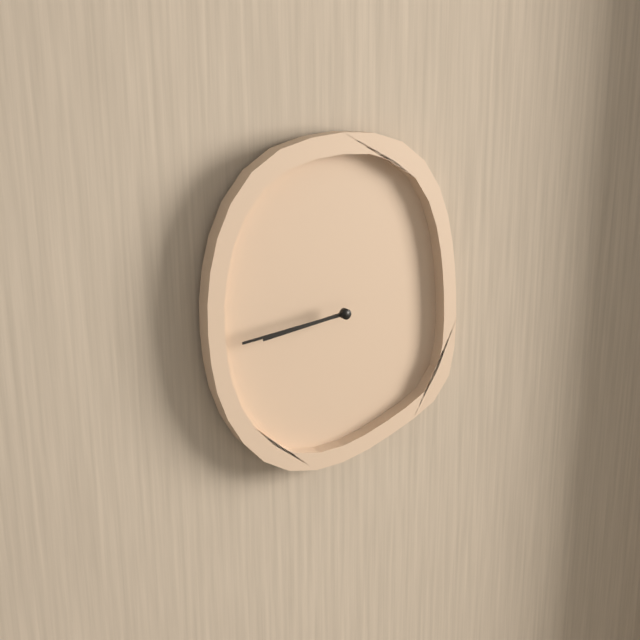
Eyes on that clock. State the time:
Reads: 8:44
